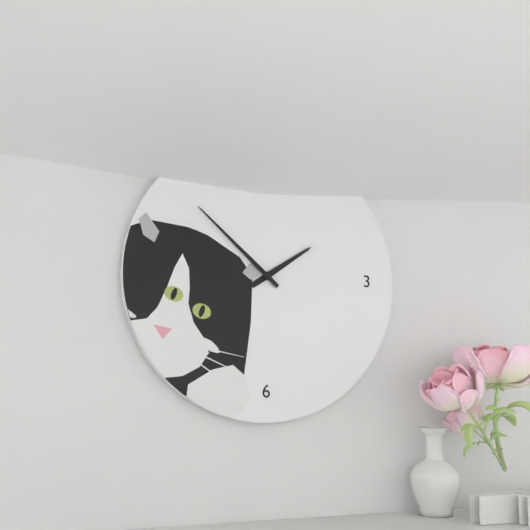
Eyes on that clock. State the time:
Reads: 1:52
